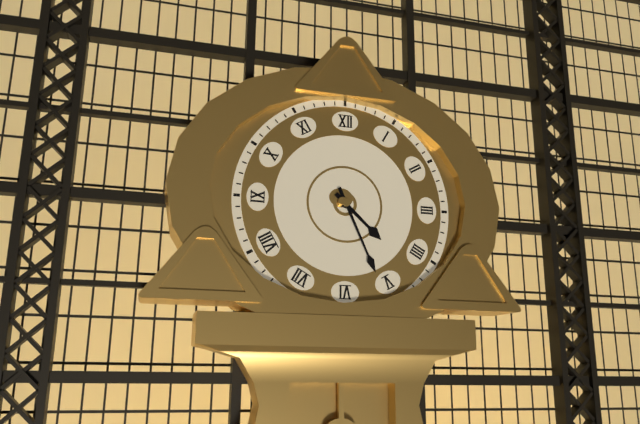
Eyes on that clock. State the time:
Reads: 4:26
